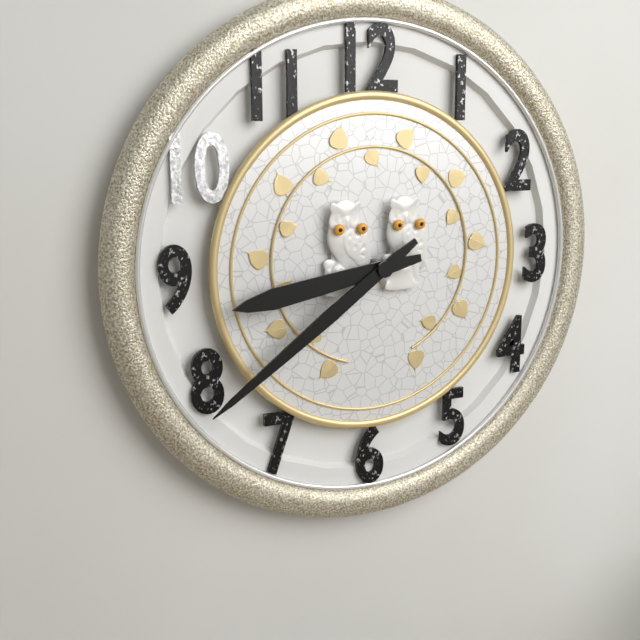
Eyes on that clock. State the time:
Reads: 8:39
